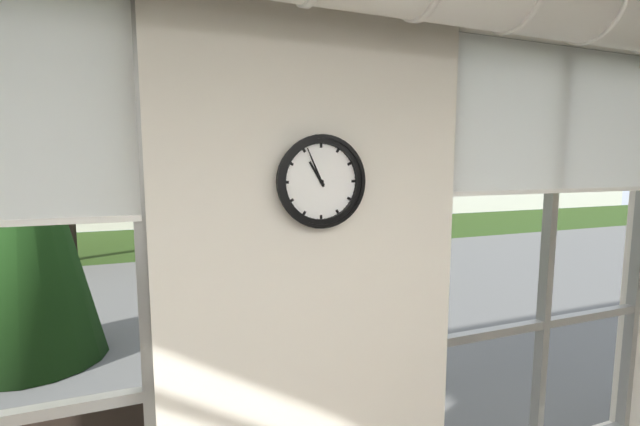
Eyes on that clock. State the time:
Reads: 10:56
